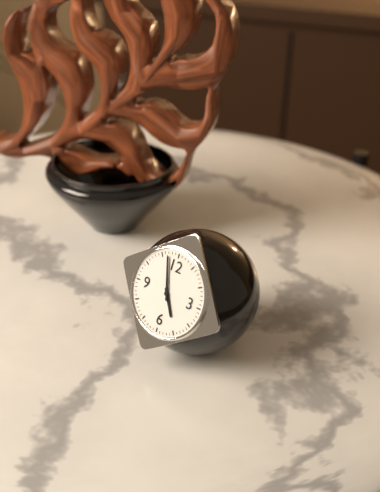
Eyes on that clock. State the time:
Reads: 4:57
